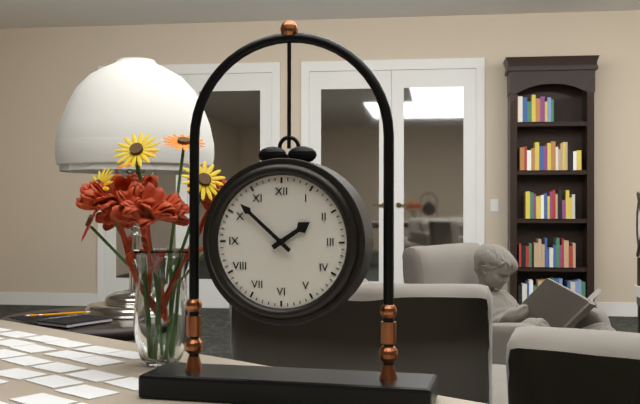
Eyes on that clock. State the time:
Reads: 1:52
